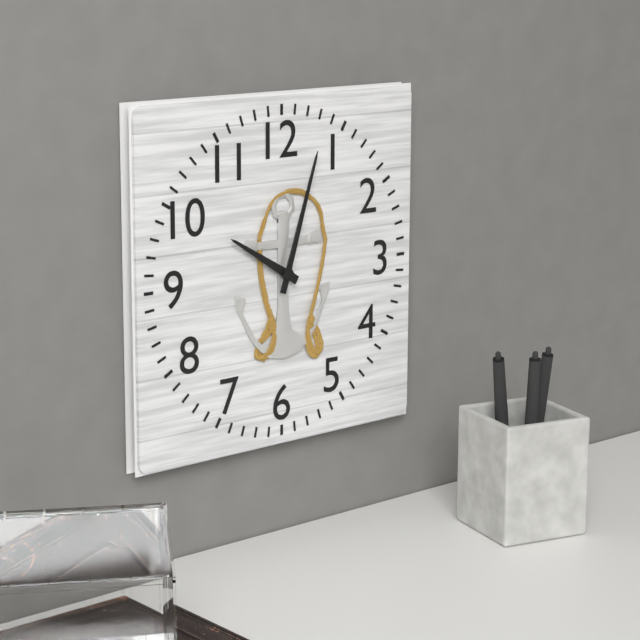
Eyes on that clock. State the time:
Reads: 10:03
